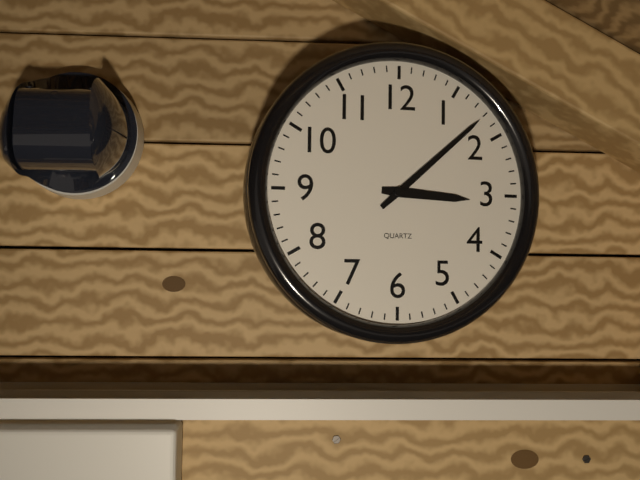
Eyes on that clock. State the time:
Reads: 3:08
